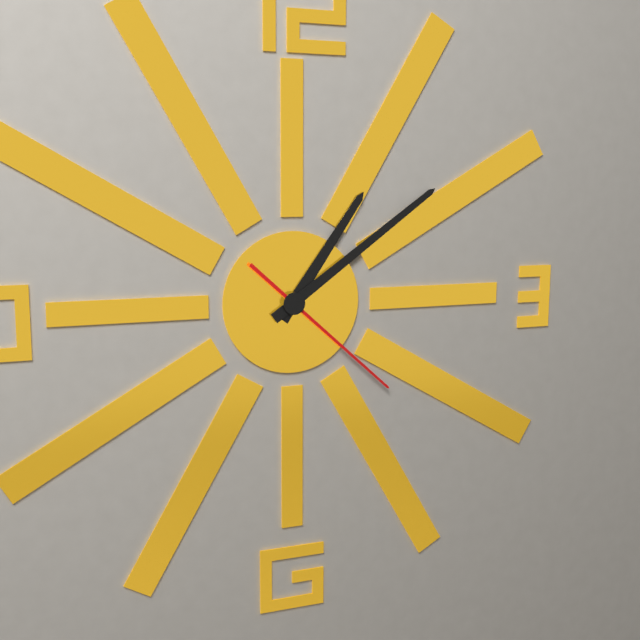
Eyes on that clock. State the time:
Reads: 1:09:22
